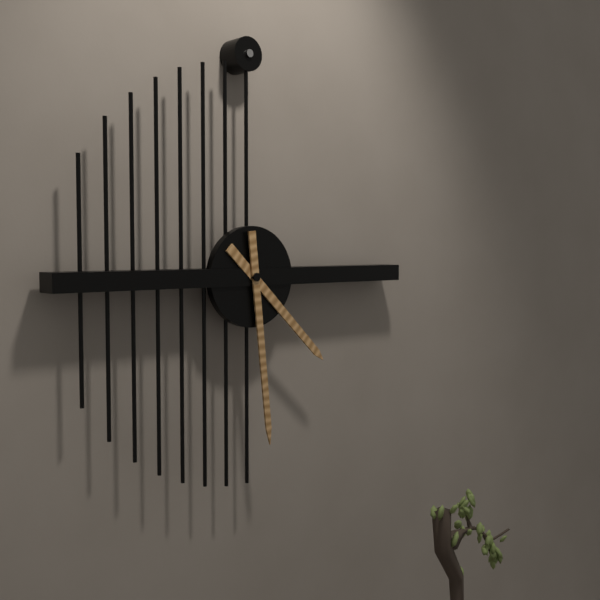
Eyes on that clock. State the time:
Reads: 4:29
